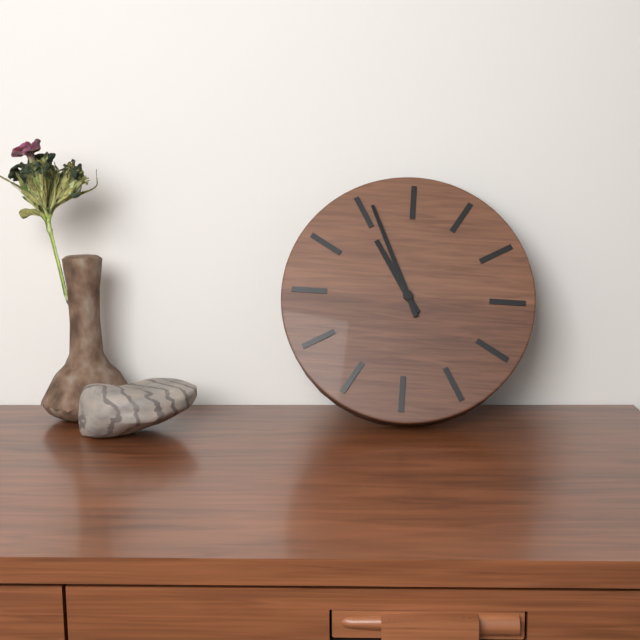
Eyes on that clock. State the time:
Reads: 10:56
